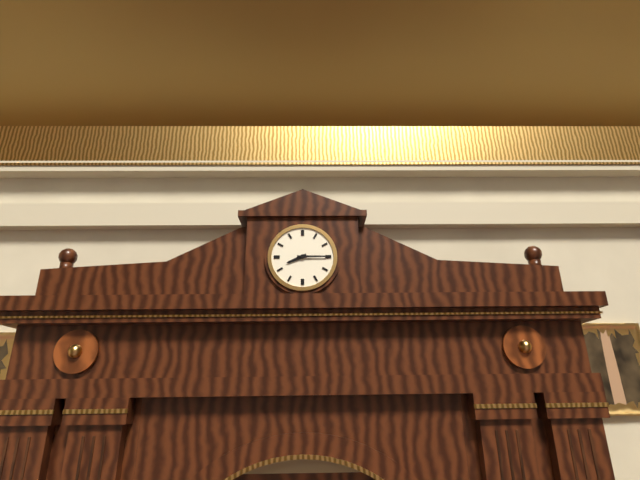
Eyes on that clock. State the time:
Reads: 8:15
